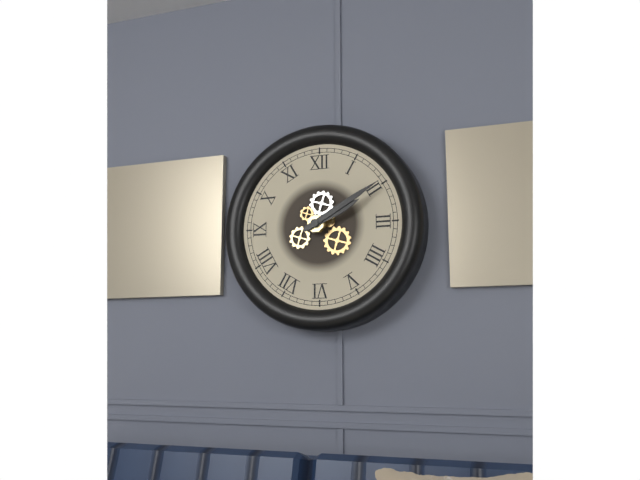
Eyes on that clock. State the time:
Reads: 2:10
